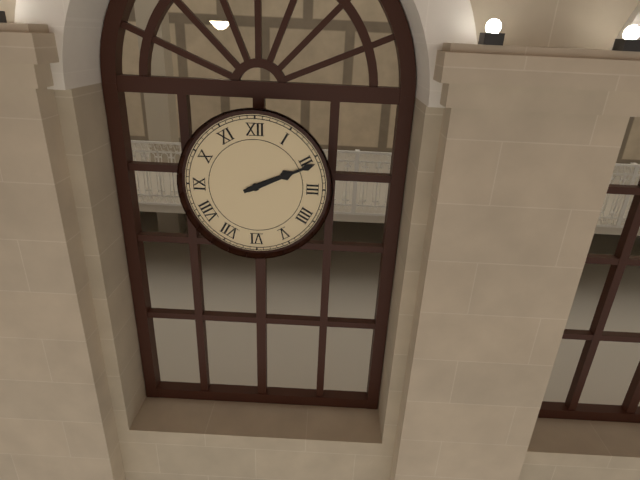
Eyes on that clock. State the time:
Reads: 2:11
